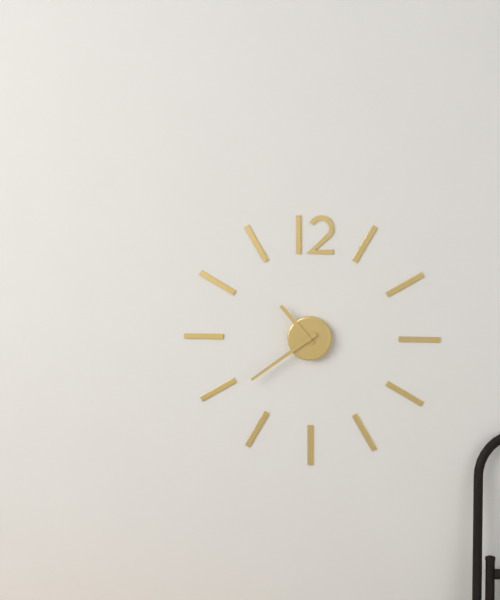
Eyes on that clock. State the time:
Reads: 10:39
